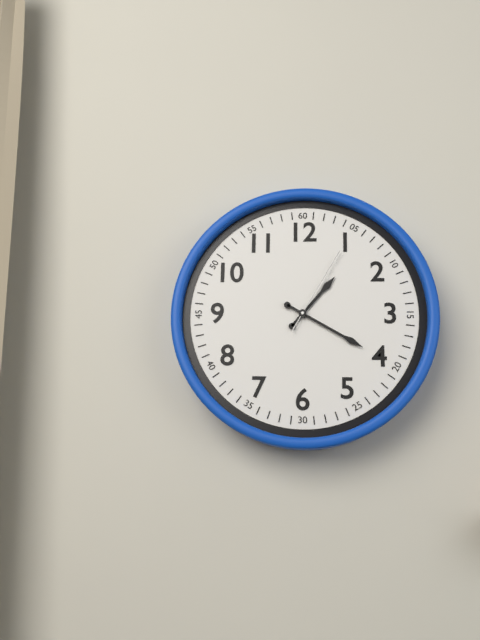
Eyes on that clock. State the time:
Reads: 1:20:05
